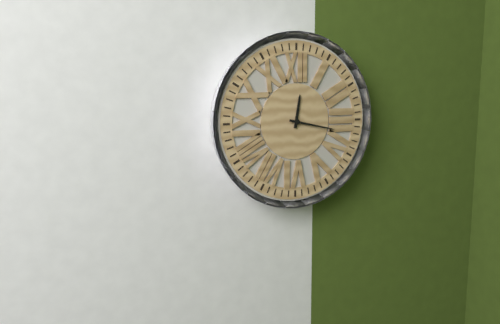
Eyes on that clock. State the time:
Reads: 12:17
